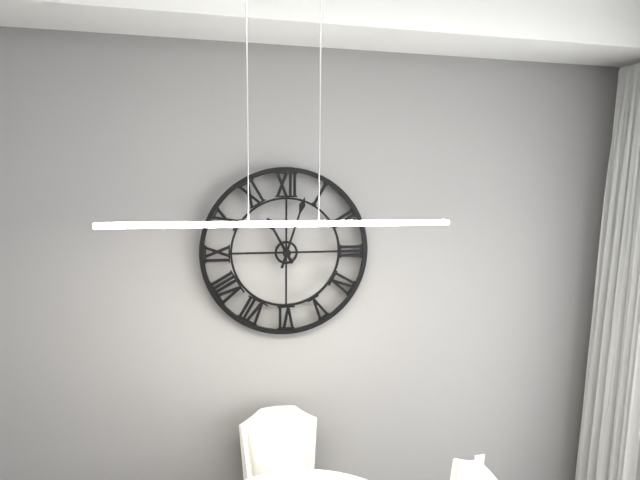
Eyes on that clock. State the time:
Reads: 11:03
